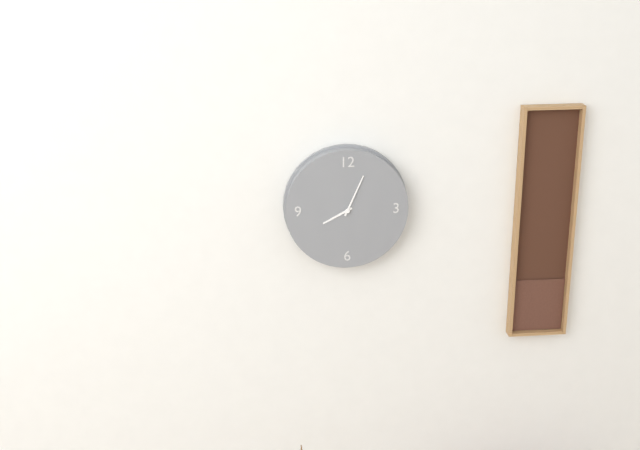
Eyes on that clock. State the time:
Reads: 8:04
